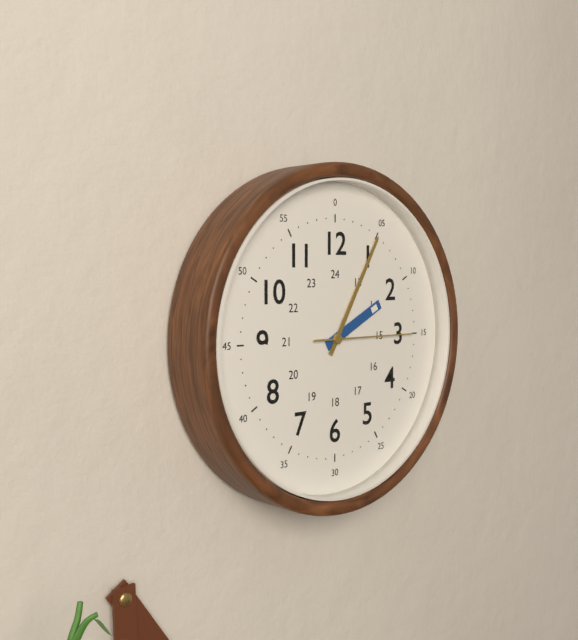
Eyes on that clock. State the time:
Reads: 2:05:15
